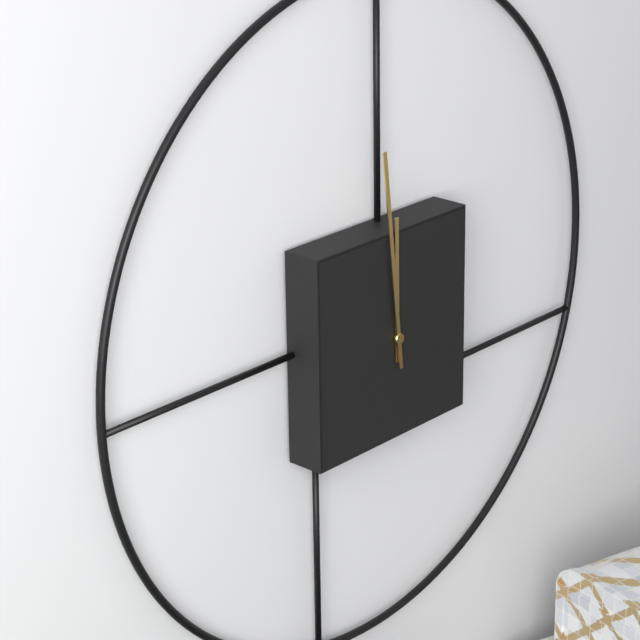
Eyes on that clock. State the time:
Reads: 11:59
